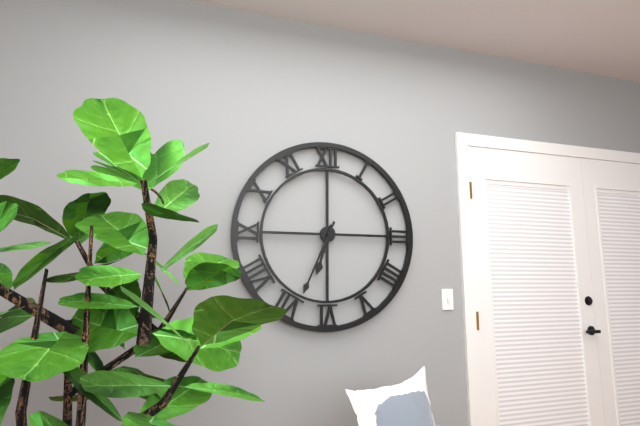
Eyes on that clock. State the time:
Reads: 6:34
